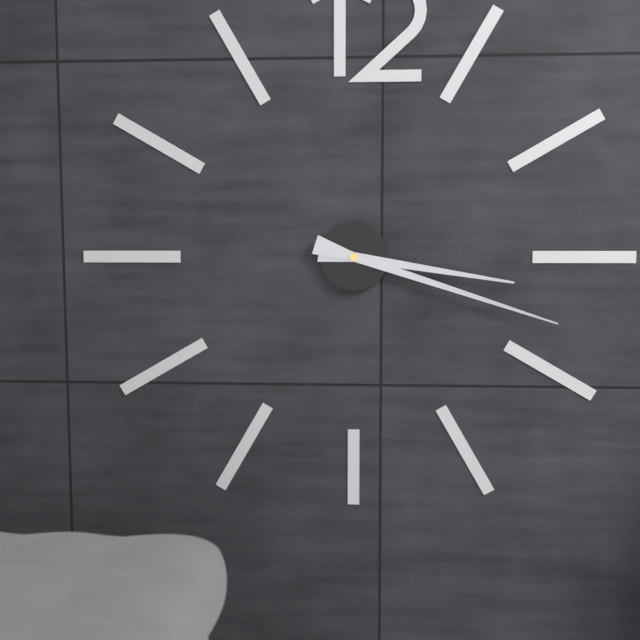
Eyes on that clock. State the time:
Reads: 3:18
